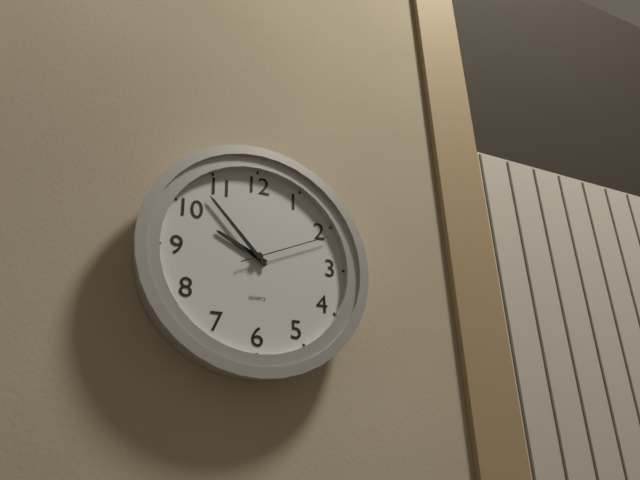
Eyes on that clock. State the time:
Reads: 9:53:11
